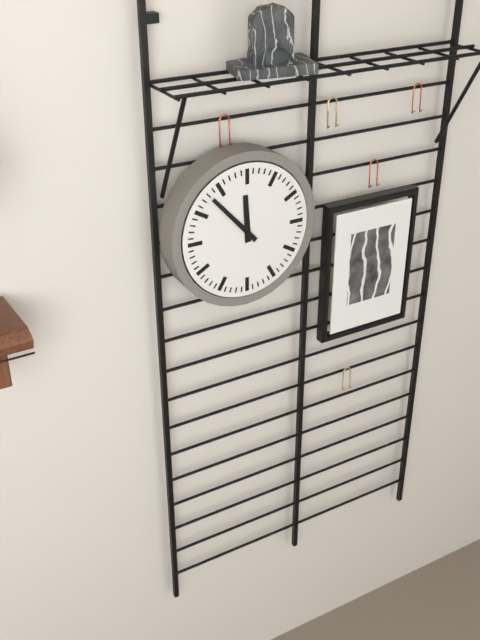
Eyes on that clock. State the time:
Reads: 11:53
